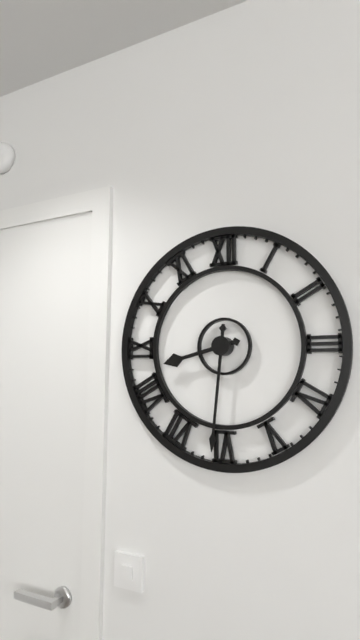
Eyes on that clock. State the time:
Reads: 8:31
